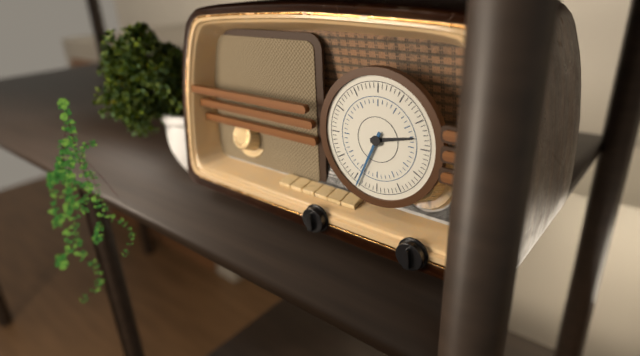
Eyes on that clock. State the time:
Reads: 2:34
